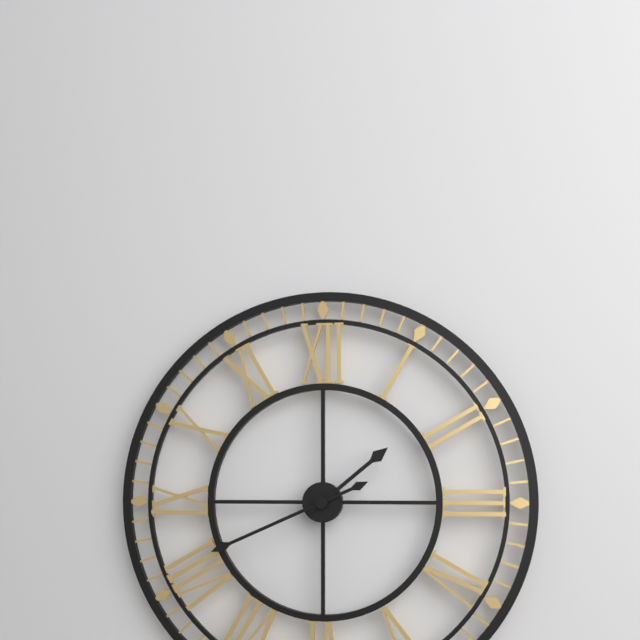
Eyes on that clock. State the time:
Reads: 1:41
